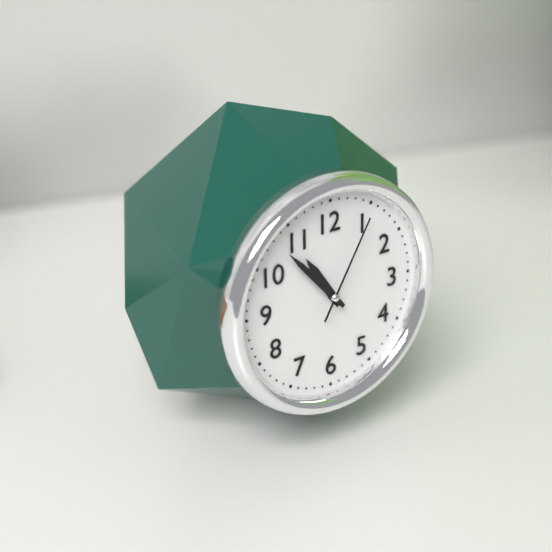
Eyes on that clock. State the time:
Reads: 10:53:05
